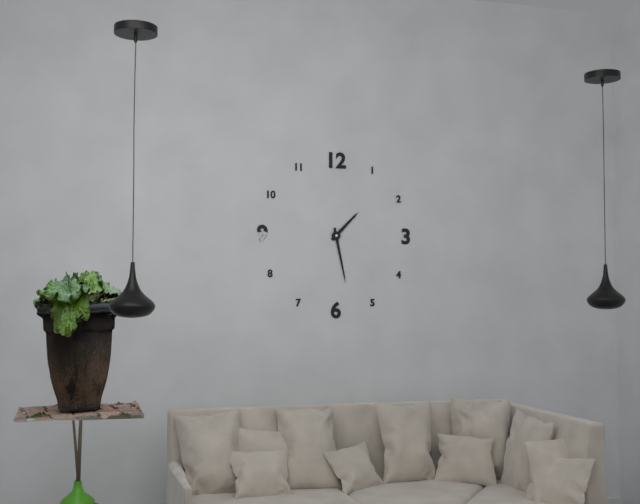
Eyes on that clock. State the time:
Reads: 1:28
